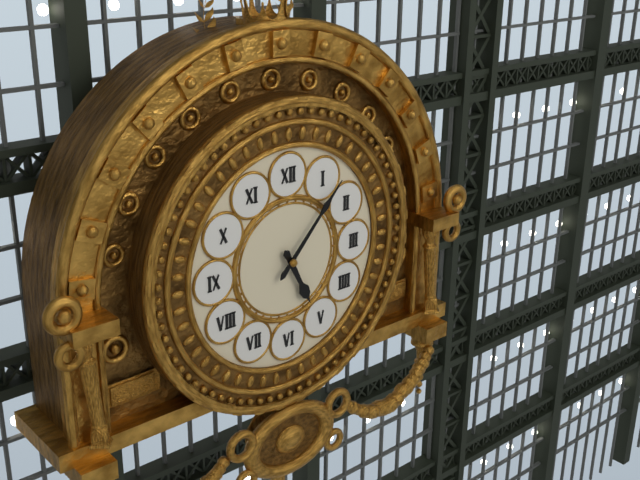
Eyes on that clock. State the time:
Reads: 5:07
